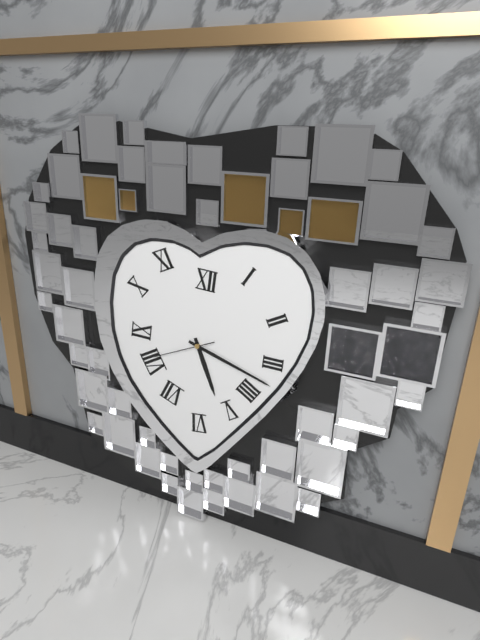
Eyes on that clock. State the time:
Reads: 5:18:41
